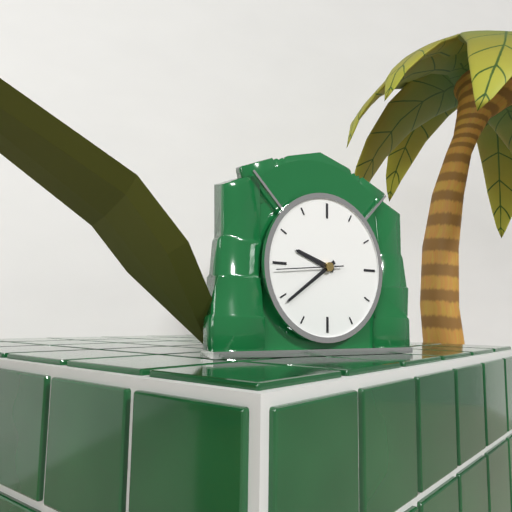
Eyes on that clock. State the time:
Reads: 9:39:44
